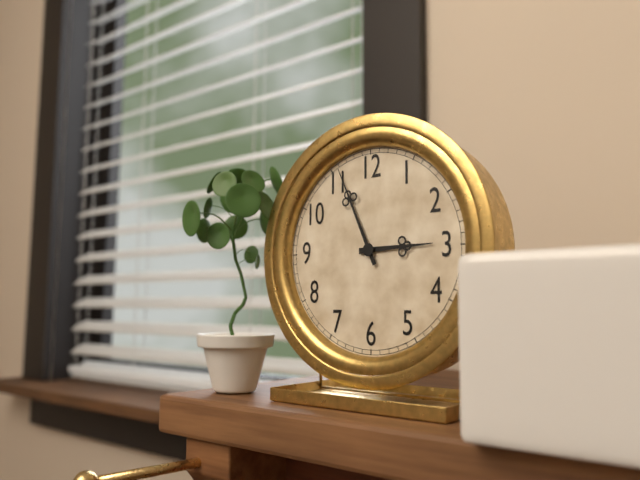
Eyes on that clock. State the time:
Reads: 2:56
